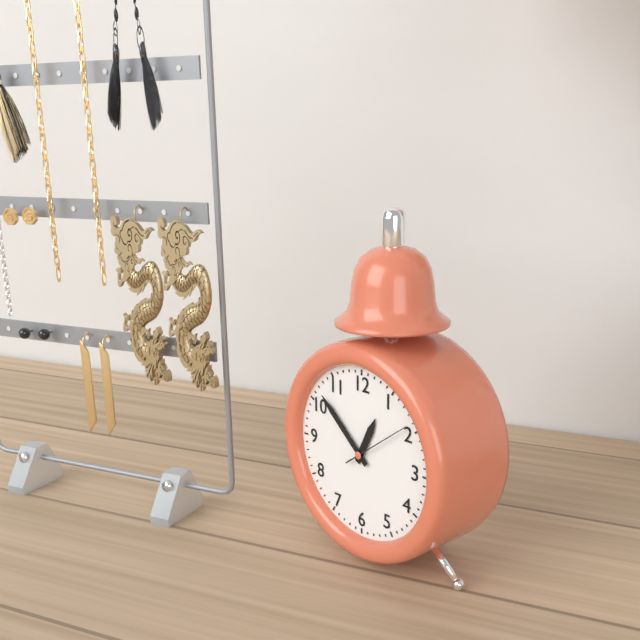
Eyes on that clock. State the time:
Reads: 12:52:09
